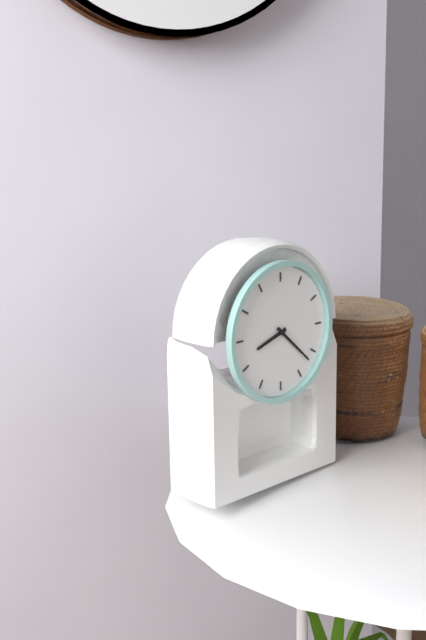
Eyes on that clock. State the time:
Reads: 8:22
